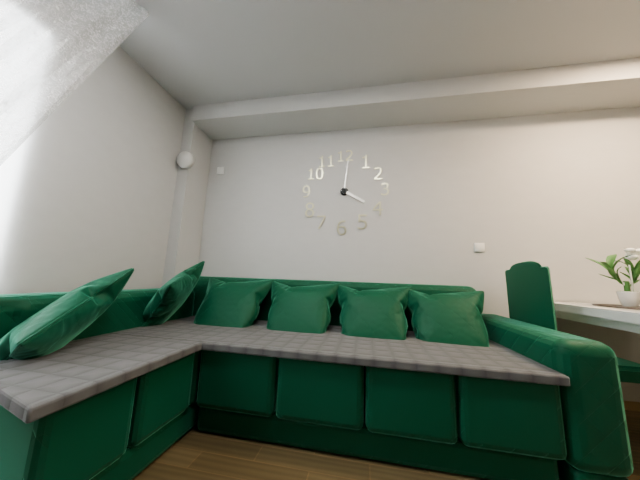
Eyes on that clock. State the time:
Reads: 4:01
